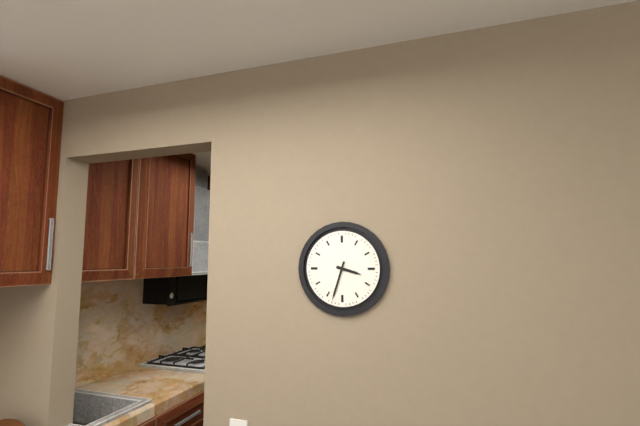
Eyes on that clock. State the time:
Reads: 3:33
